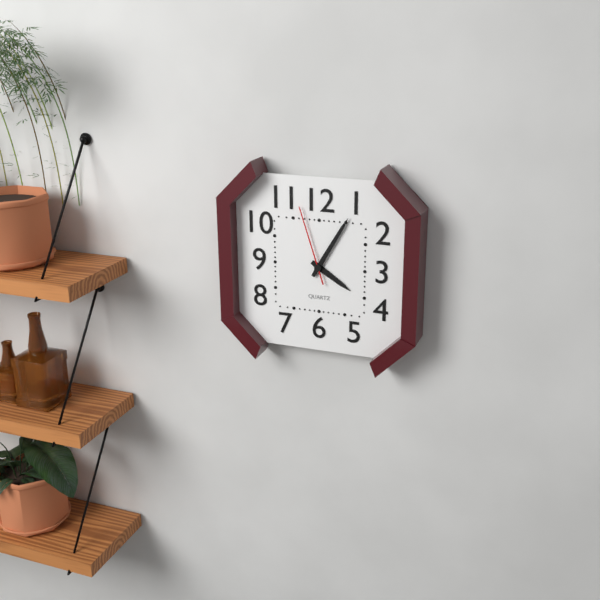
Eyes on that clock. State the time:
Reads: 4:05:57
